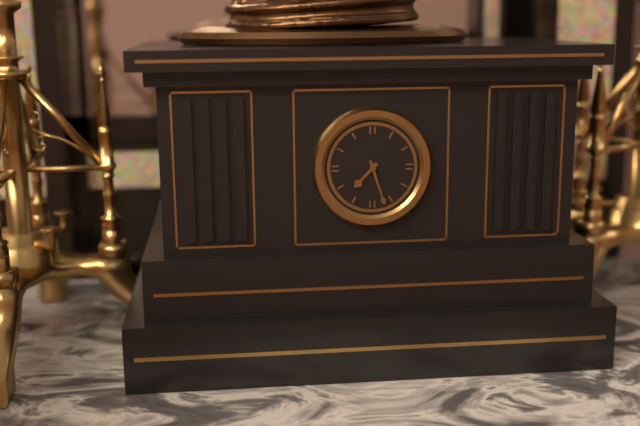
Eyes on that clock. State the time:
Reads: 7:27
